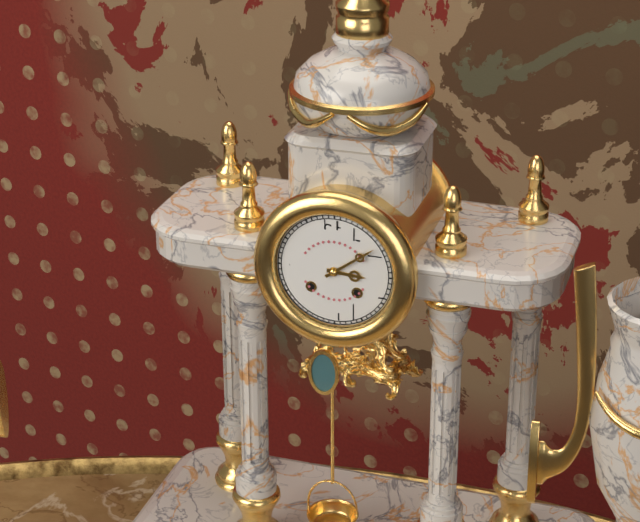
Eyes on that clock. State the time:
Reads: 3:09
